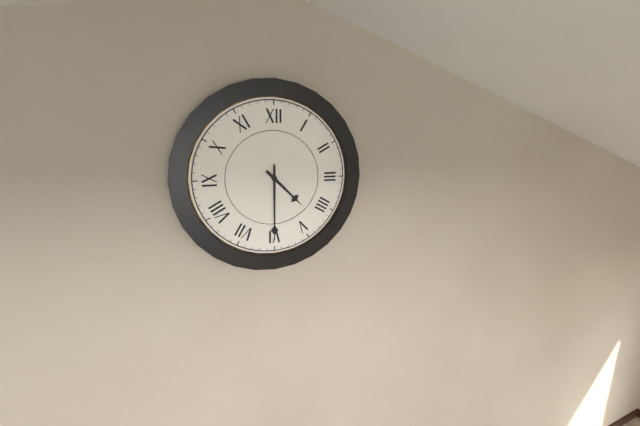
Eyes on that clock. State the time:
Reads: 4:30
